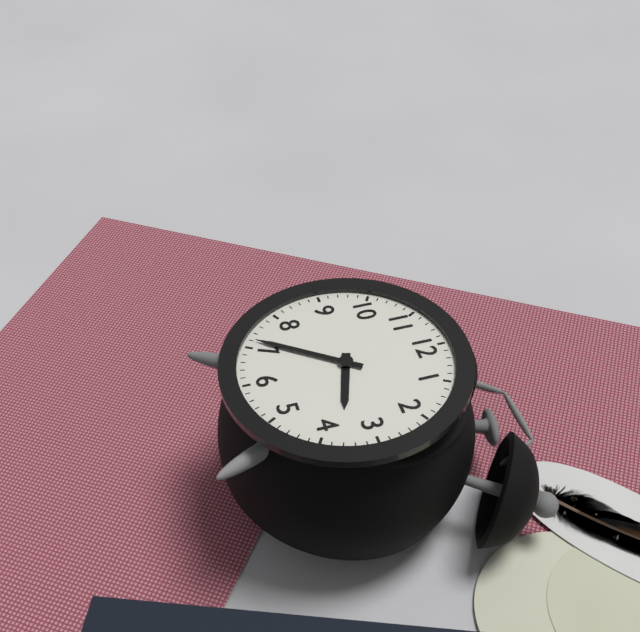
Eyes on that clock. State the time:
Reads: 3:36
